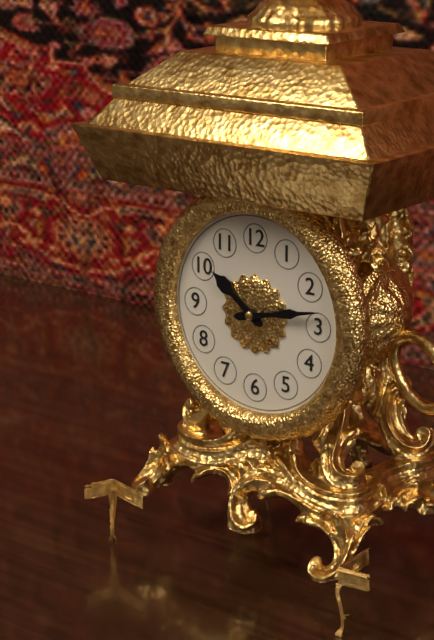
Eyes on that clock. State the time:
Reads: 10:13
